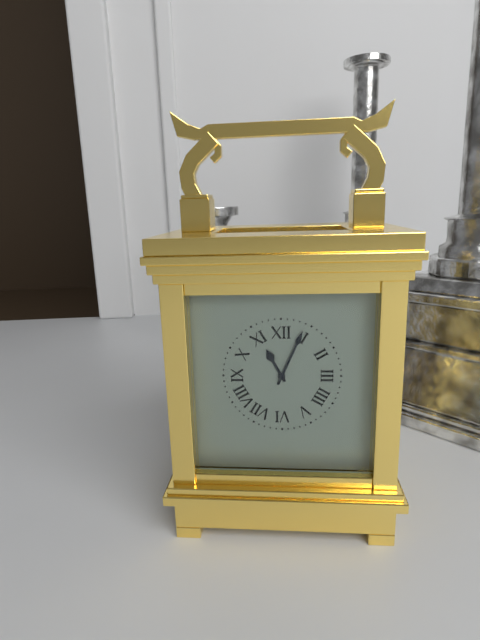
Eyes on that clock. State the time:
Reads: 11:04
